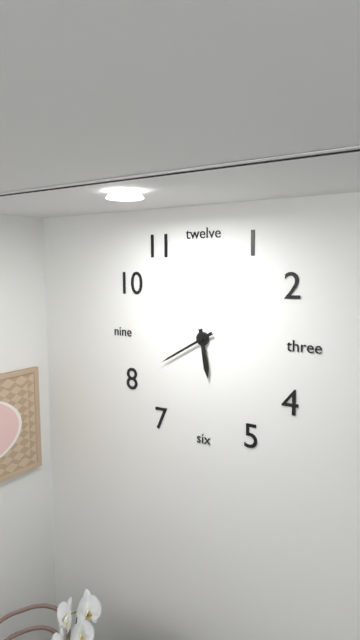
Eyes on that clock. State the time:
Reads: 5:40
